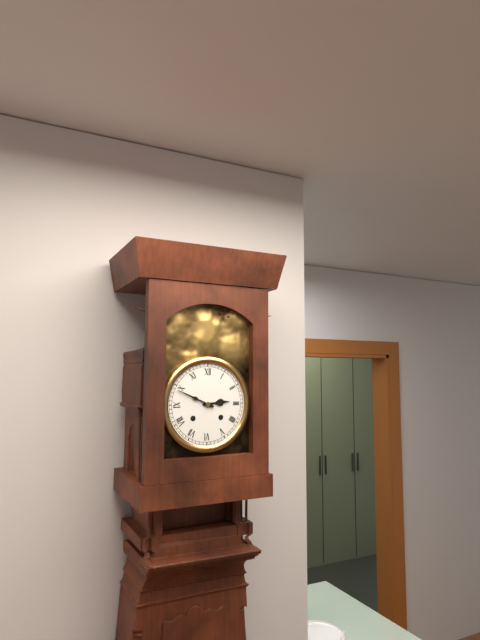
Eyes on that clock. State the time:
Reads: 2:49
